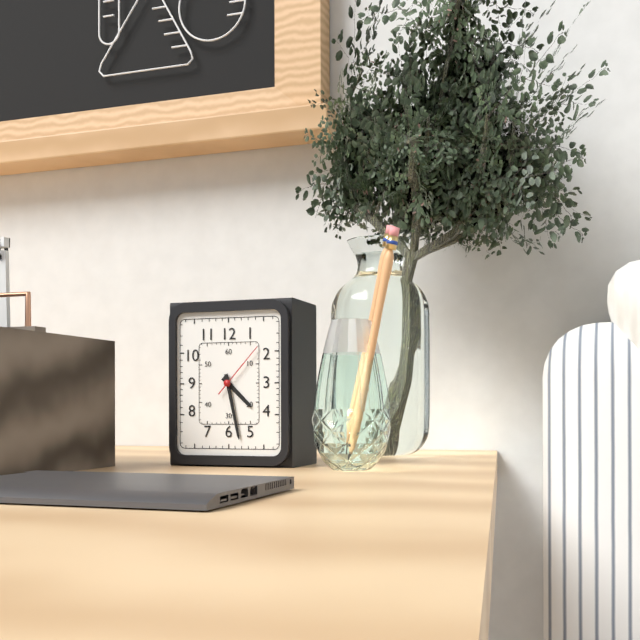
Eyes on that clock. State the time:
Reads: 4:28:07
